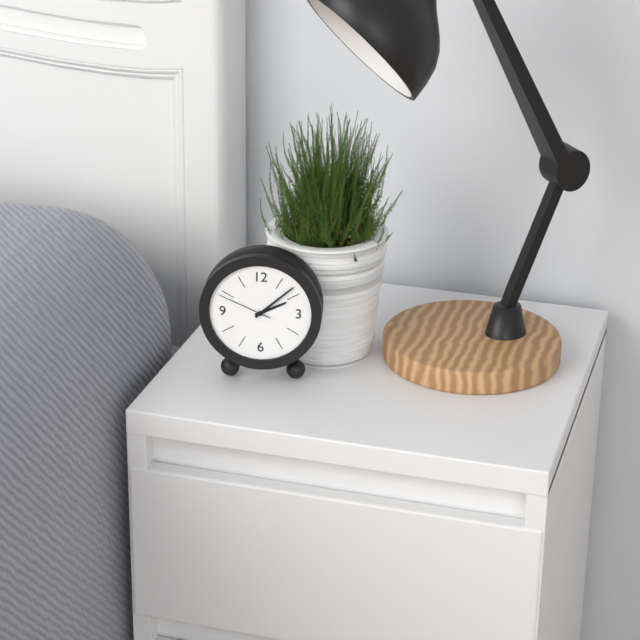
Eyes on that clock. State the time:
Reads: 2:08:49
